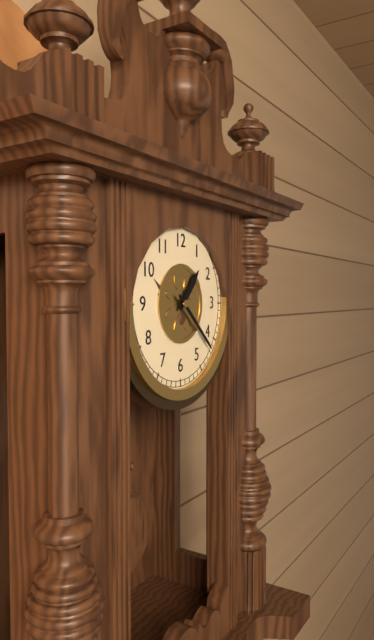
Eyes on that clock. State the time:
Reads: 1:22
